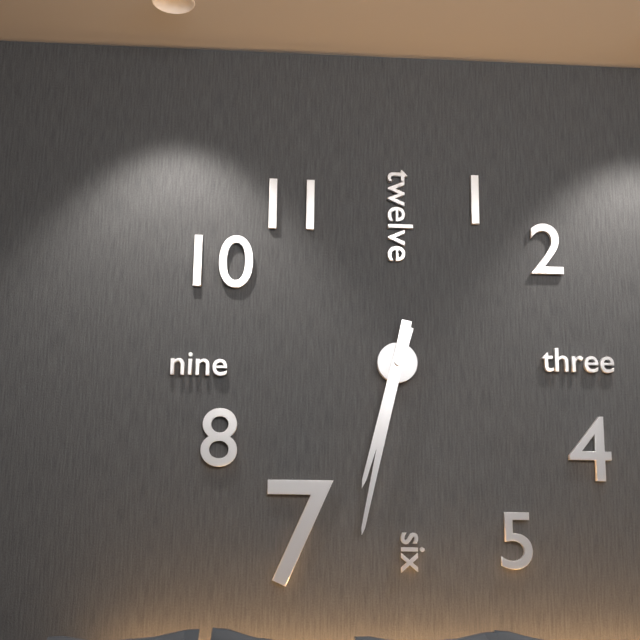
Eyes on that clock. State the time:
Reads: 6:32
